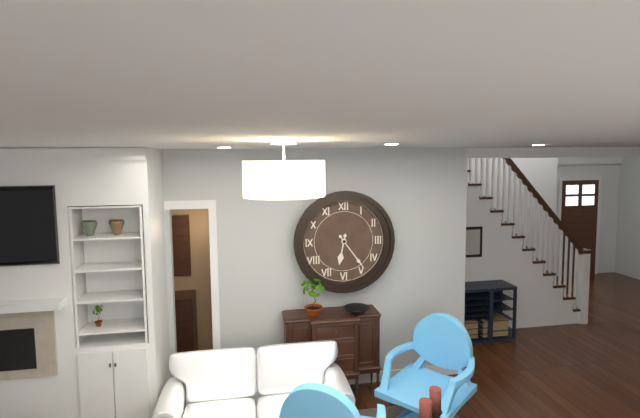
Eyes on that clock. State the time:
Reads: 6:24
